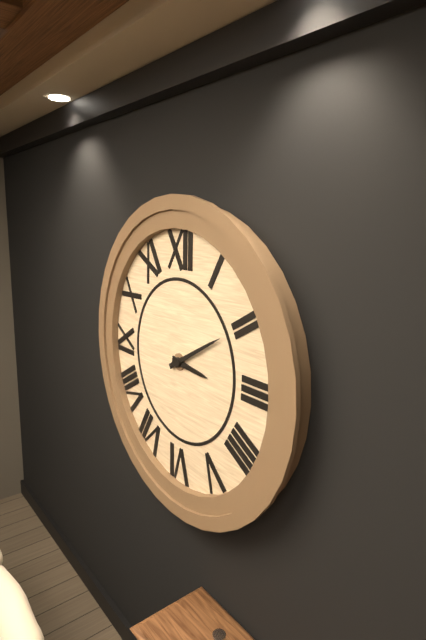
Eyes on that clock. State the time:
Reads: 3:10
